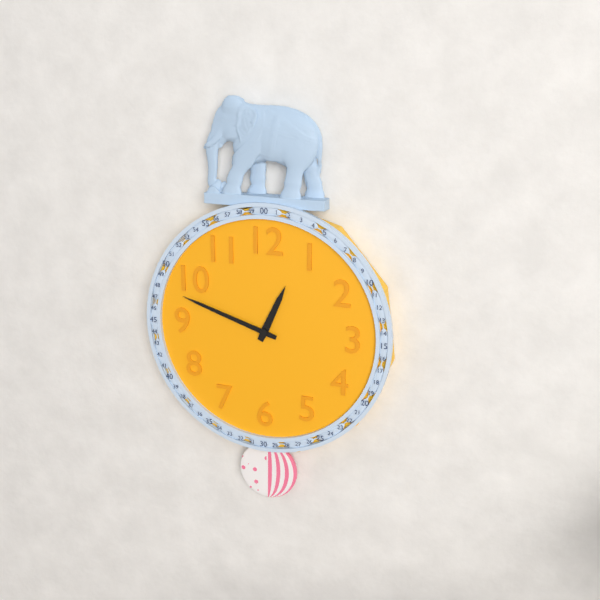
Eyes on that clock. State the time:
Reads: 12:48
